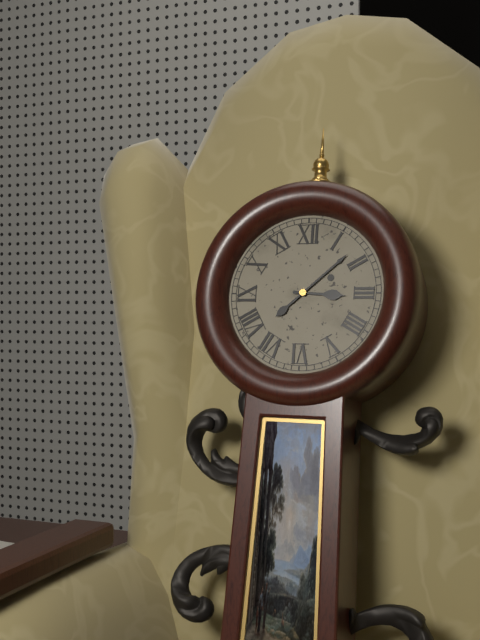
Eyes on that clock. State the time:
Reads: 3:08
